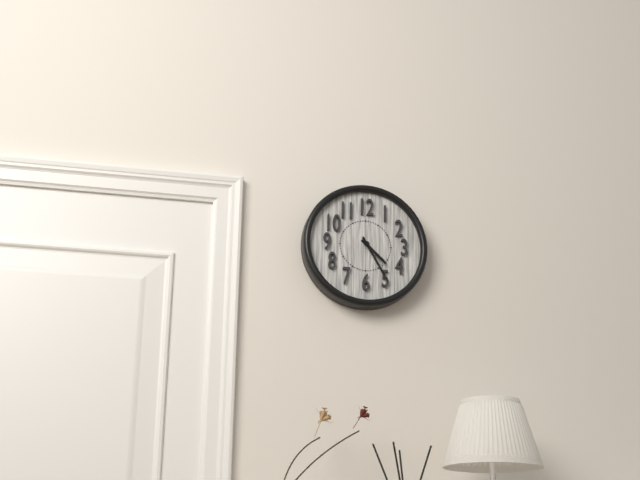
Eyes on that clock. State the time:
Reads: 4:25
